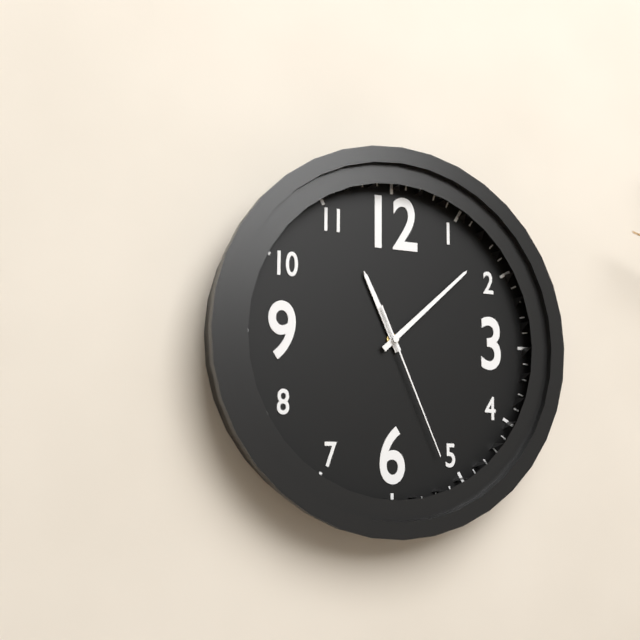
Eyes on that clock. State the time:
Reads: 11:08:26
